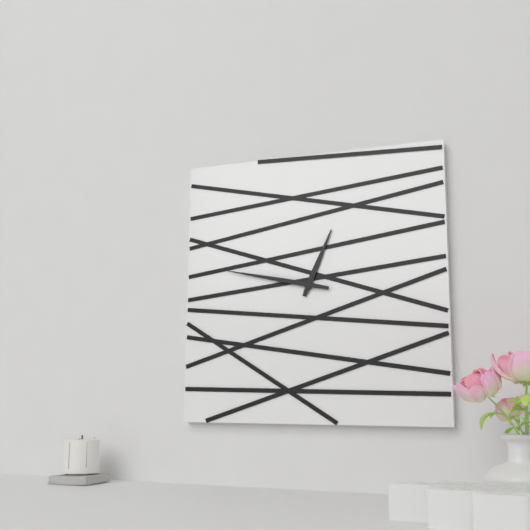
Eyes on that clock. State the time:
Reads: 12:47
